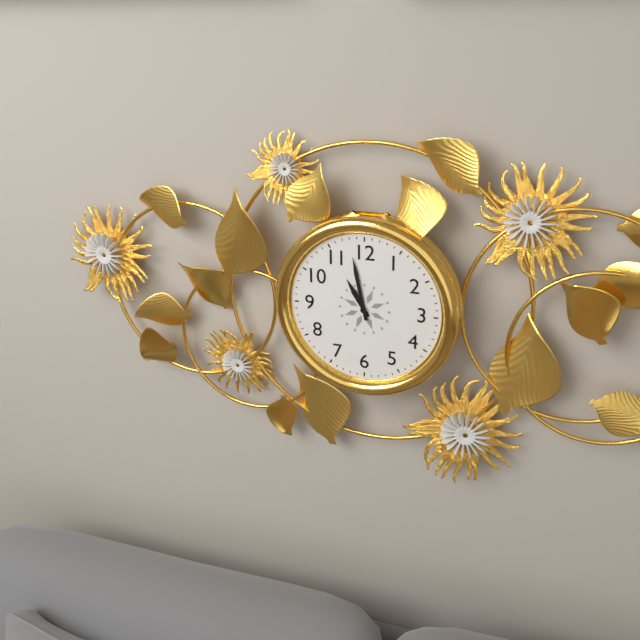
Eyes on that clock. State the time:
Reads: 10:58
